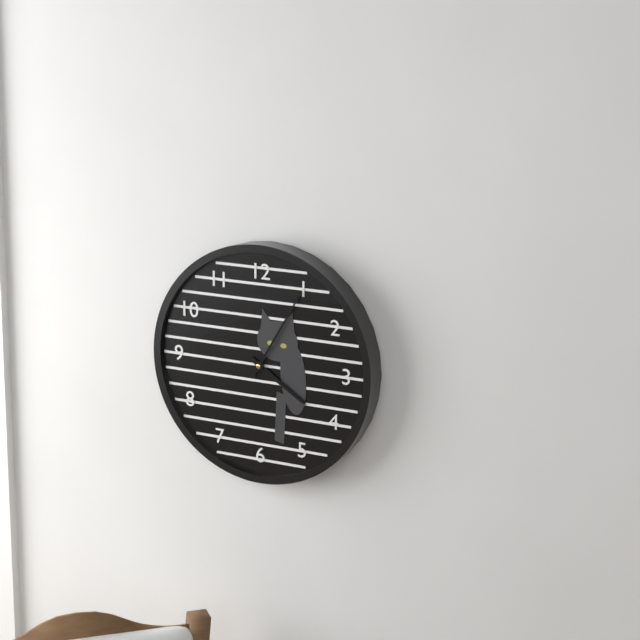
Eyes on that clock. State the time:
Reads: 4:05
